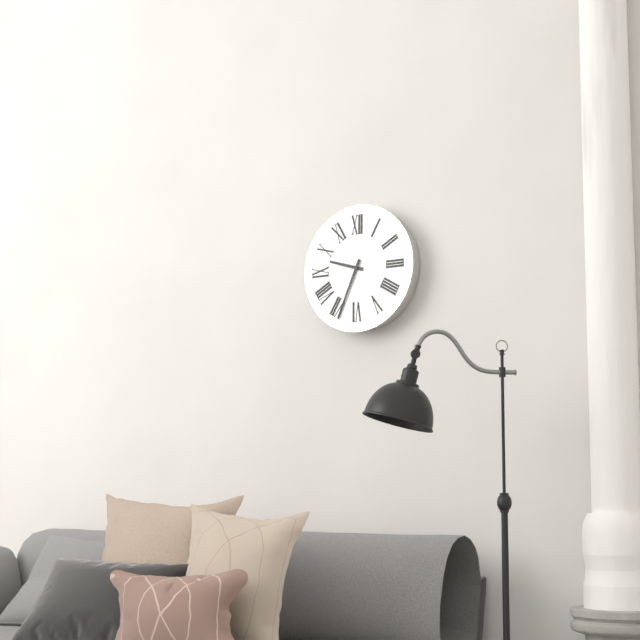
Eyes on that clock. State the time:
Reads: 9:34
